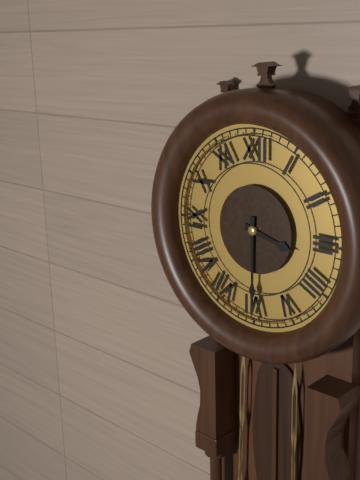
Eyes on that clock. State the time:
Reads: 3:30
